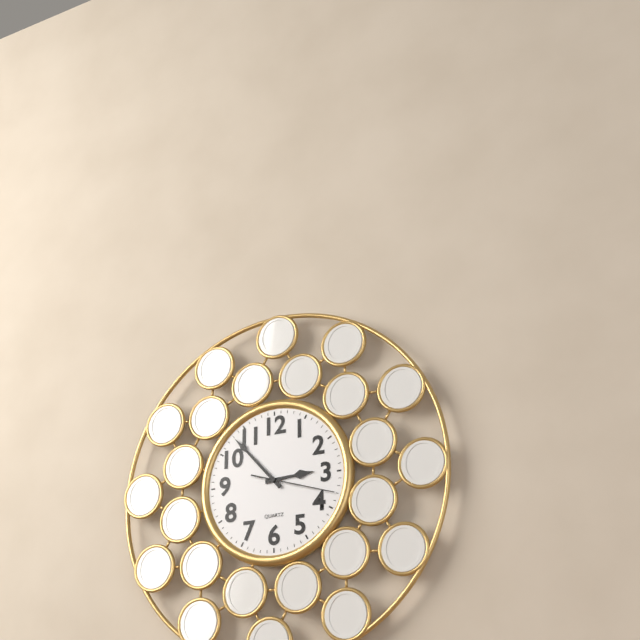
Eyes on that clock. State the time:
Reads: 2:53:18
